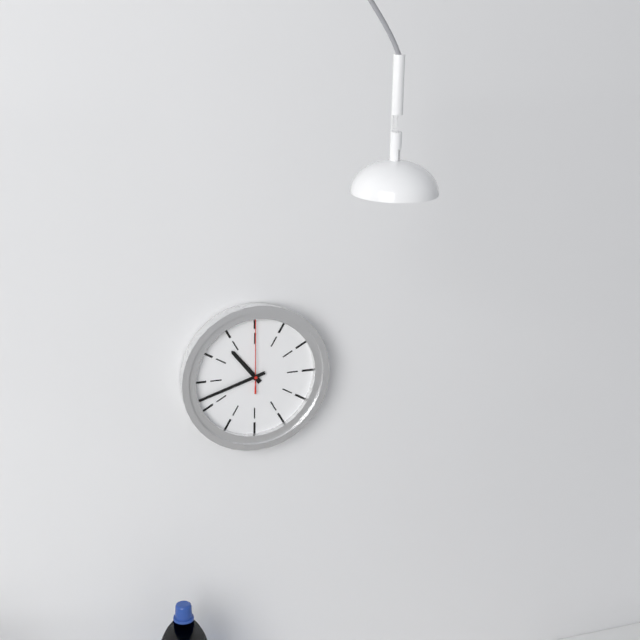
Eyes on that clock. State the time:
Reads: 10:42:00
